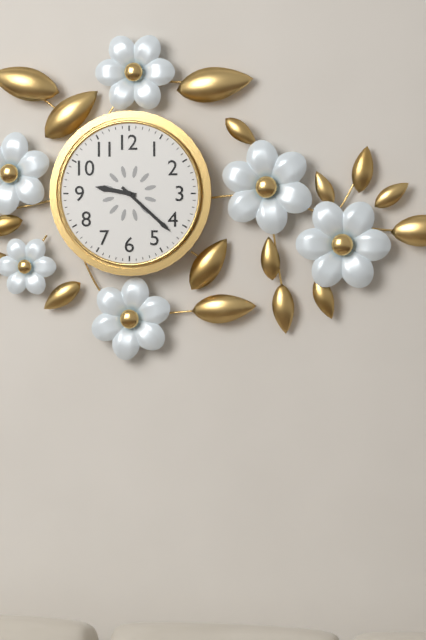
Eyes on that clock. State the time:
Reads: 9:22
